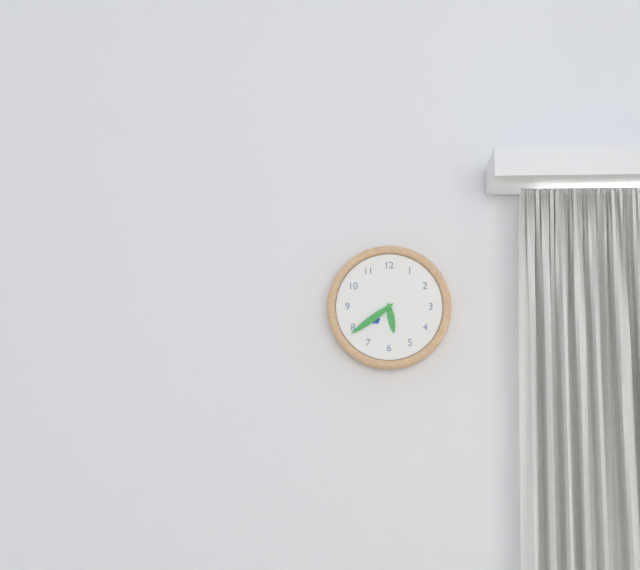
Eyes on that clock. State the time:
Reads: 5:39
